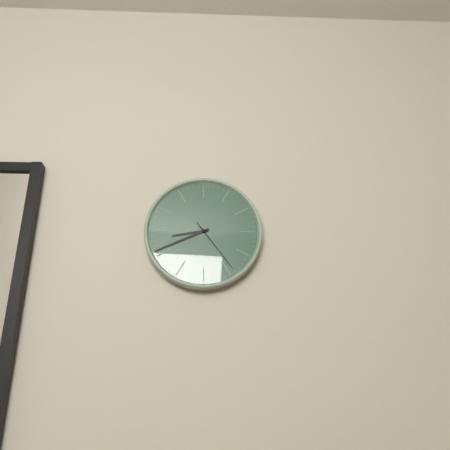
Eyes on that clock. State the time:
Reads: 8:41:24
